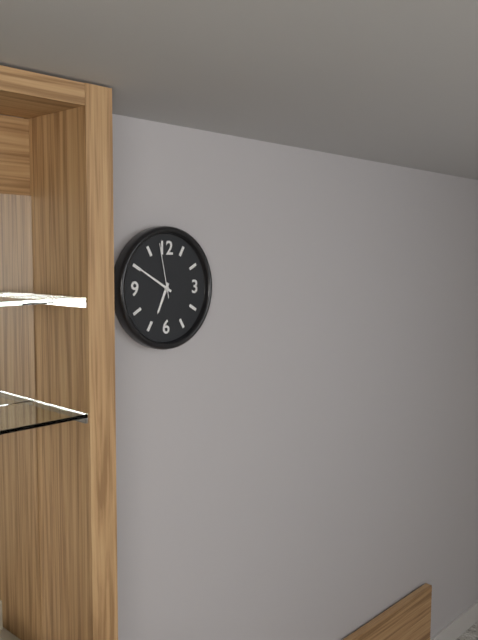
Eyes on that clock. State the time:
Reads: 6:50:58
